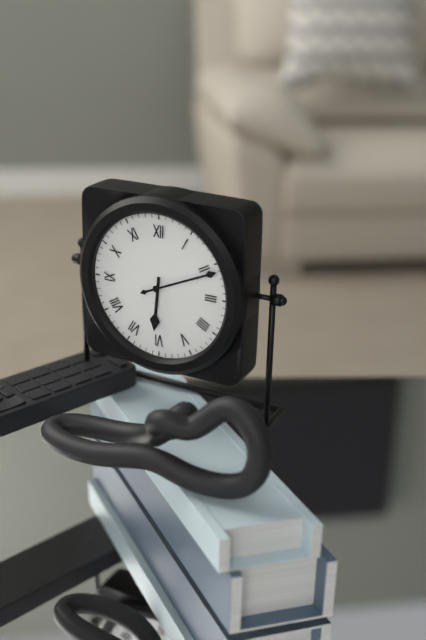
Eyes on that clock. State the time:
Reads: 6:11
